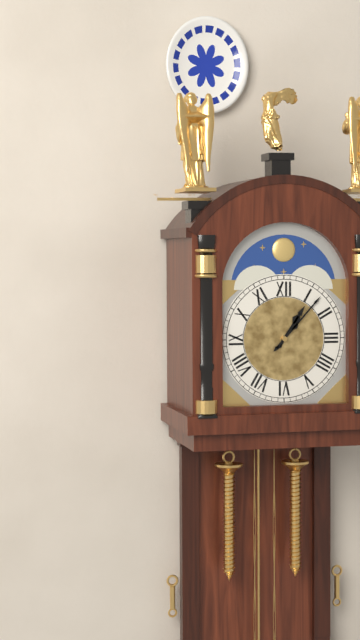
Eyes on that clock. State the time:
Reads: 1:07
